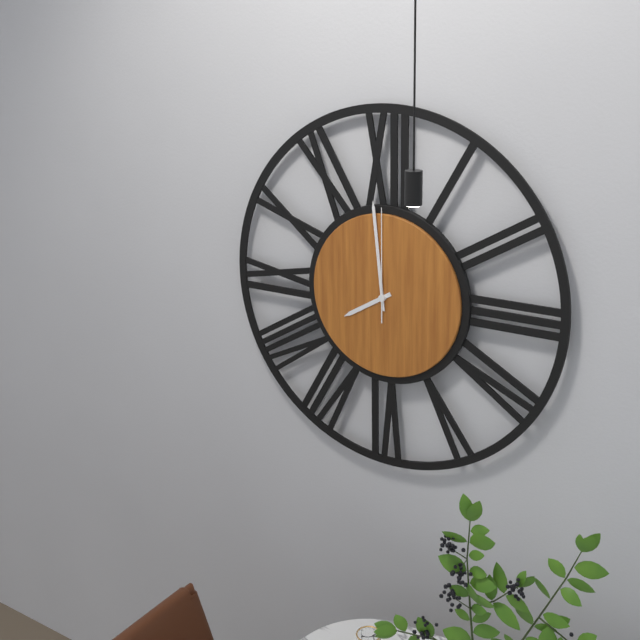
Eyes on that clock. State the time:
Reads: 7:59:00
